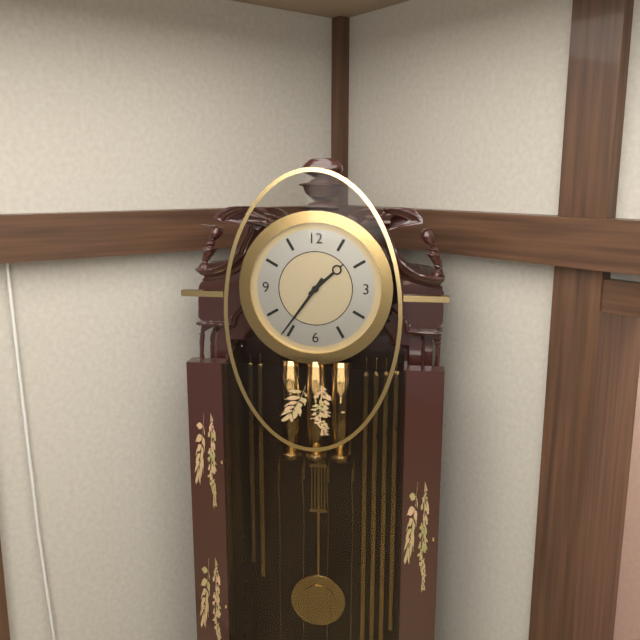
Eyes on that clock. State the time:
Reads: 1:36
